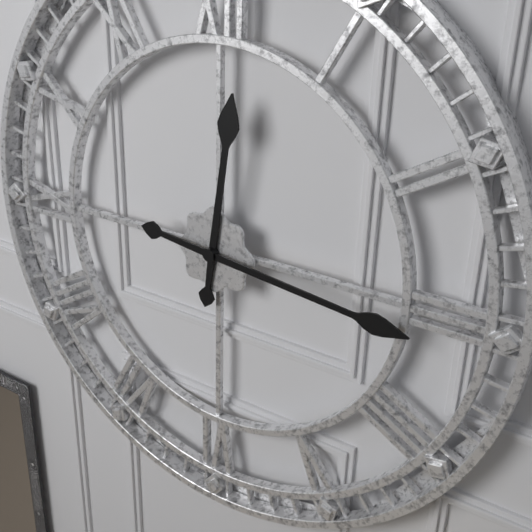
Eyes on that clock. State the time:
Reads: 12:16
